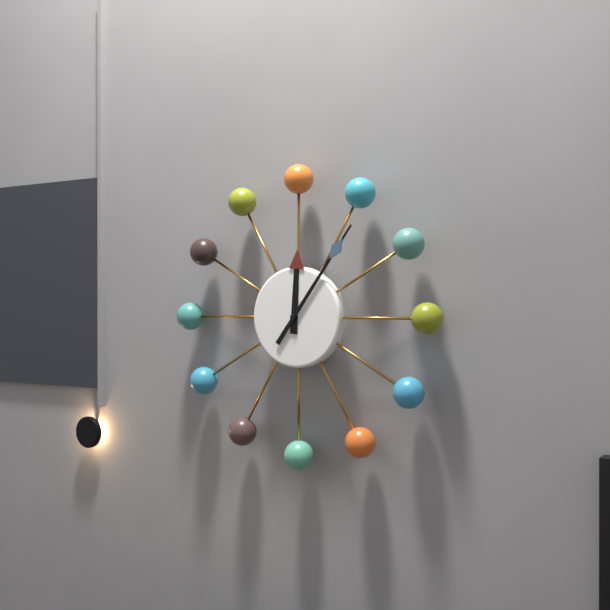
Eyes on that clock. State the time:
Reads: 12:06
